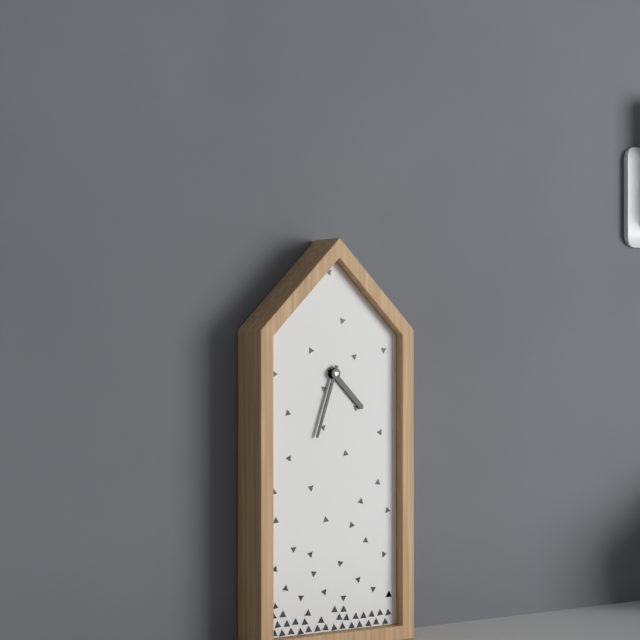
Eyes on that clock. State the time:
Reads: 4:33
